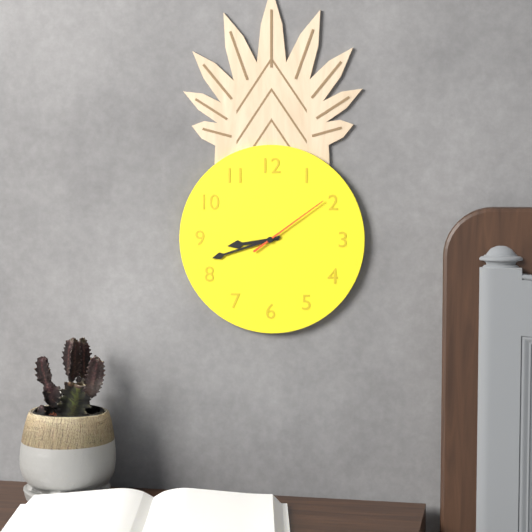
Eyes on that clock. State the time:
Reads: 8:42:09
